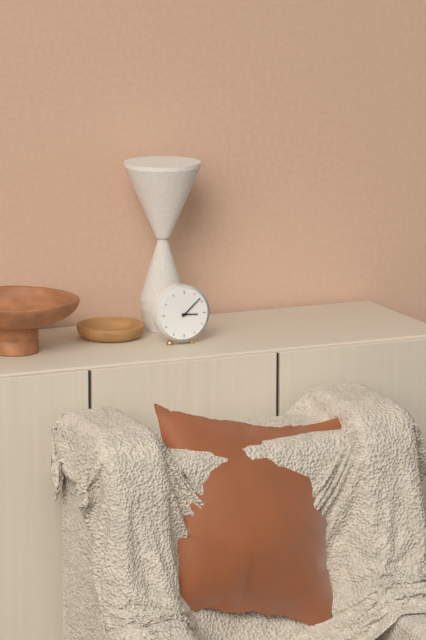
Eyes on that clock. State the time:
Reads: 3:08
